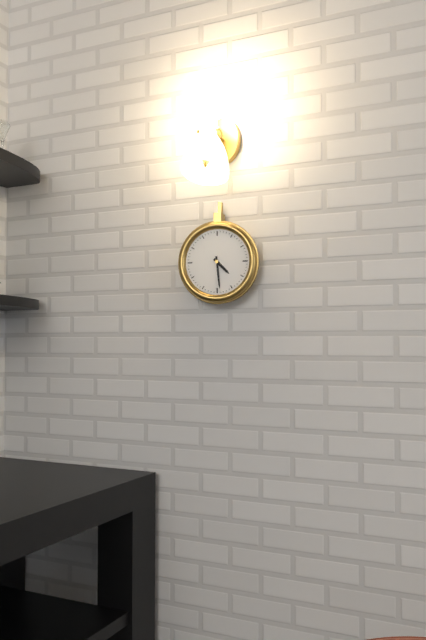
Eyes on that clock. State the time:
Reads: 4:29
